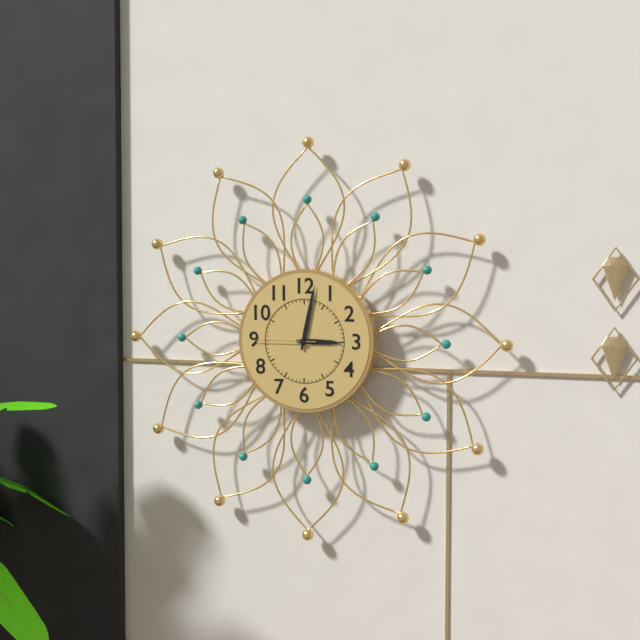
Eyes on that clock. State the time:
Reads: 3:02:45
